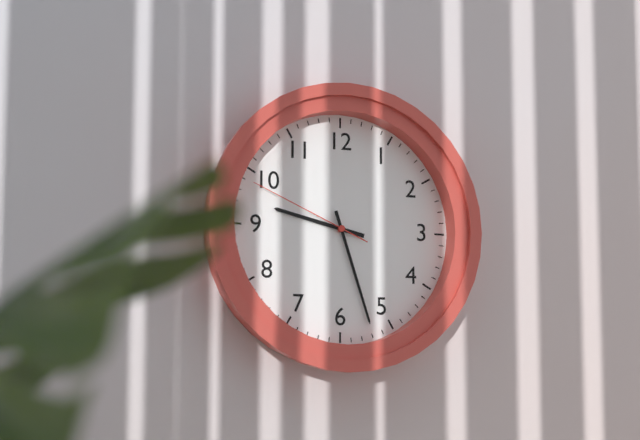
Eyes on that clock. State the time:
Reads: 9:27:49
